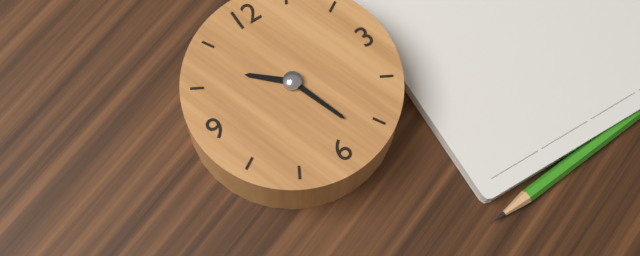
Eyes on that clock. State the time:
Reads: 10:27
